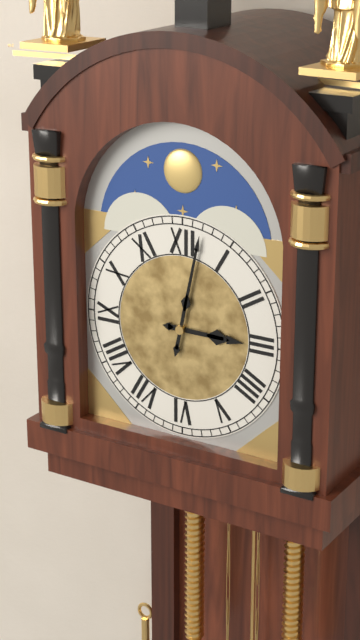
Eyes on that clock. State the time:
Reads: 3:02
